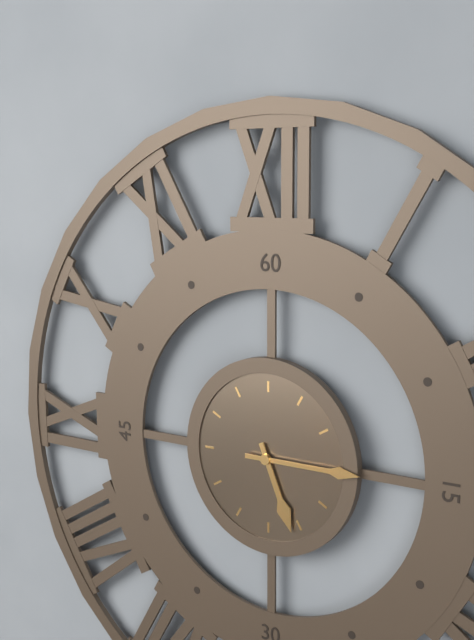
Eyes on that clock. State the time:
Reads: 5:15
